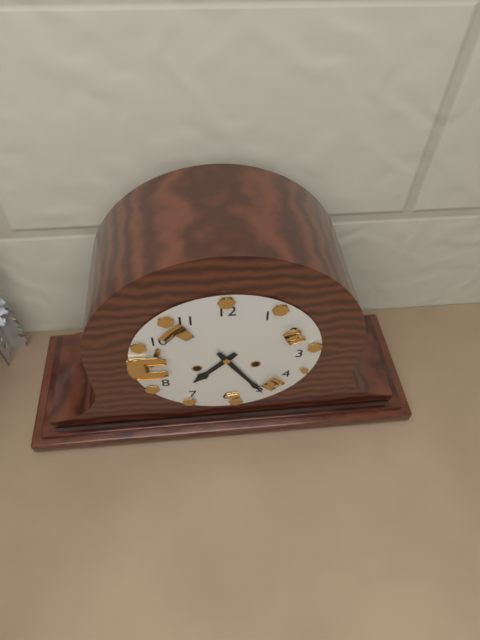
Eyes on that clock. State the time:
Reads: 7:25
